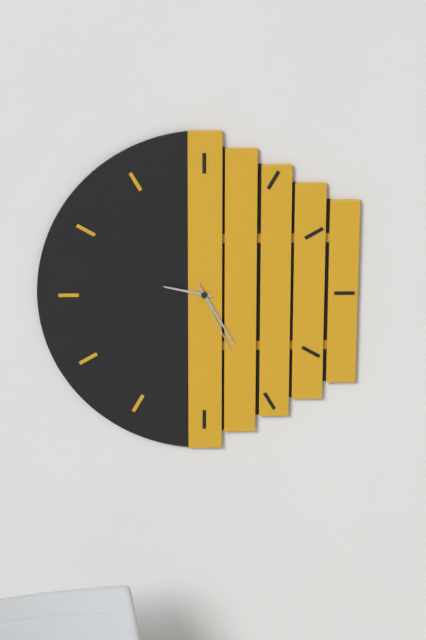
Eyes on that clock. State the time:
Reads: 9:25:26
